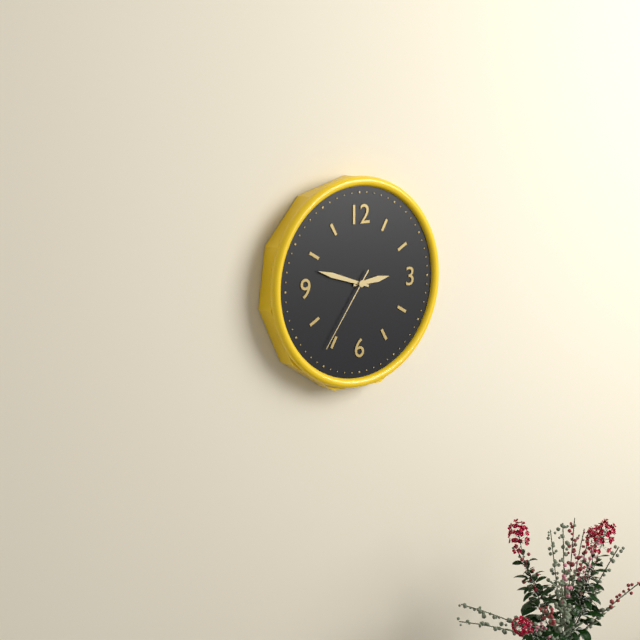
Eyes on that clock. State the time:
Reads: 2:48:36
